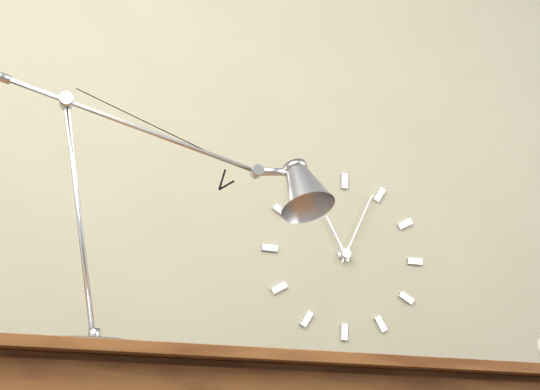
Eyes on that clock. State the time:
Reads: 11:04
